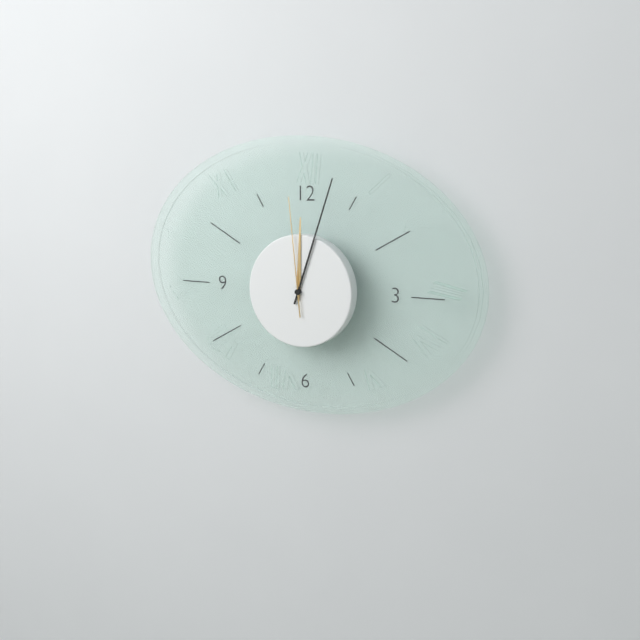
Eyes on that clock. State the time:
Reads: 12:03:59
